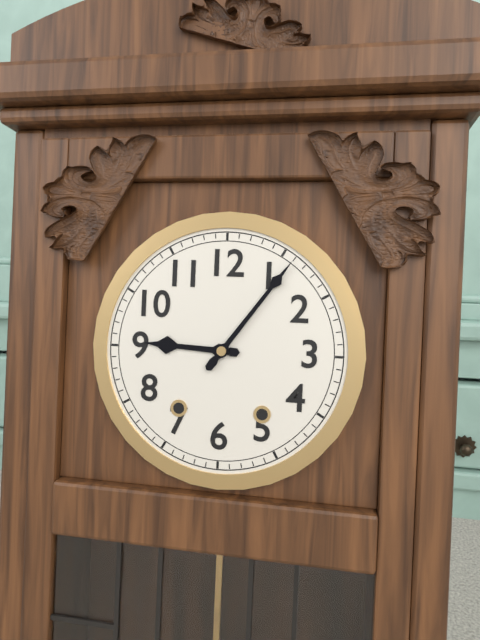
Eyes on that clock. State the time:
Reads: 9:06
